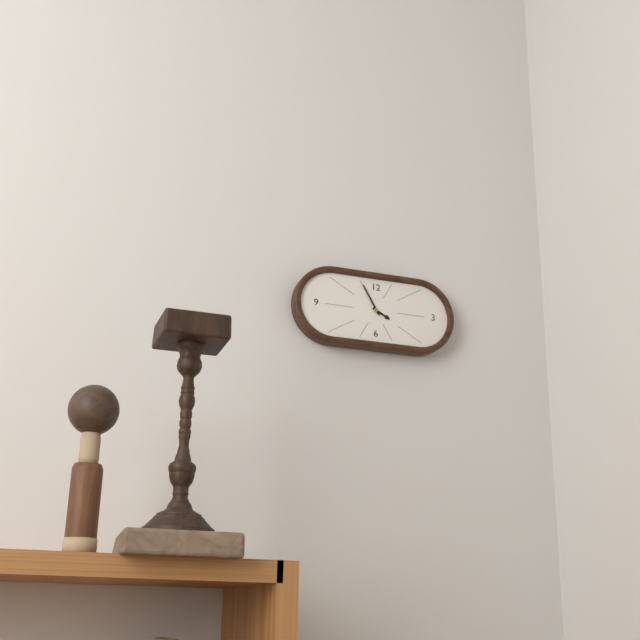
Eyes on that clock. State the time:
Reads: 3:55
